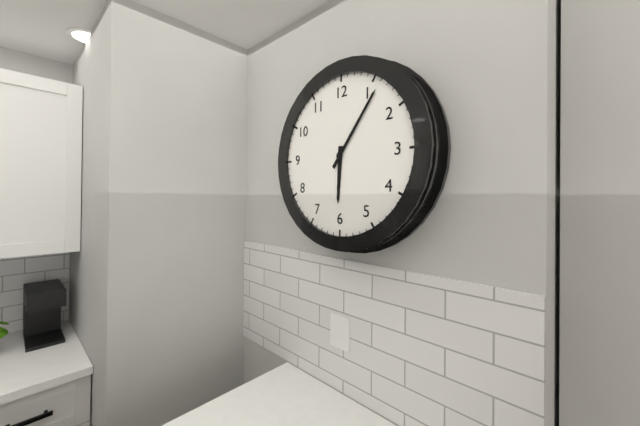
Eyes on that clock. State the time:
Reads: 6:06
